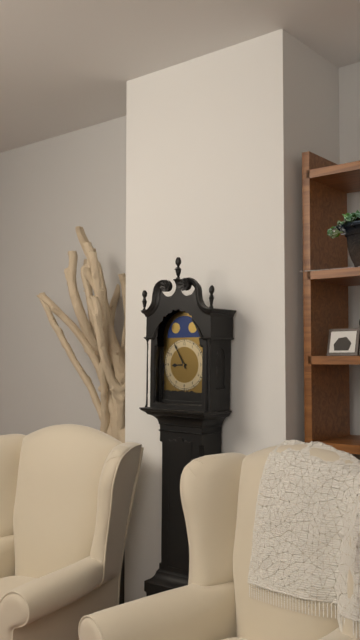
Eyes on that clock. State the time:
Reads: 8:55
